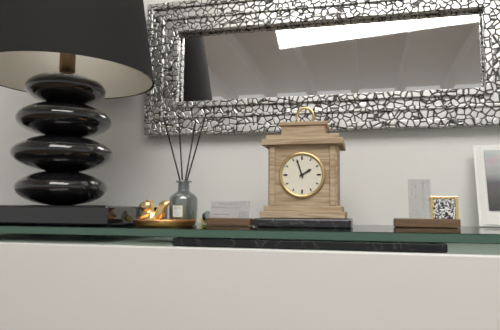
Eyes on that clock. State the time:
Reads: 1:57
